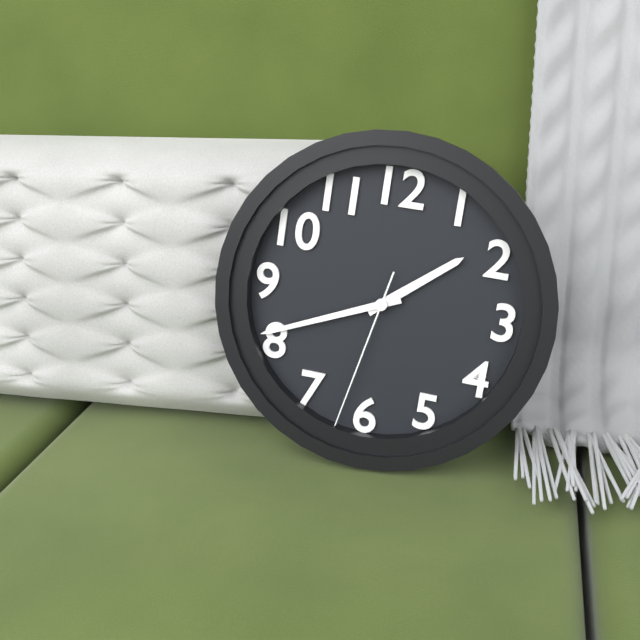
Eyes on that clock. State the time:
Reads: 1:41:32
